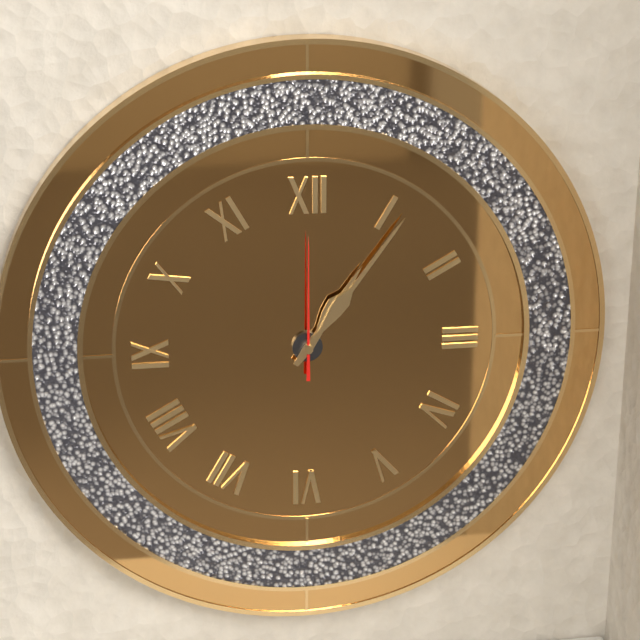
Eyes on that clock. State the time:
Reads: 1:06:00
